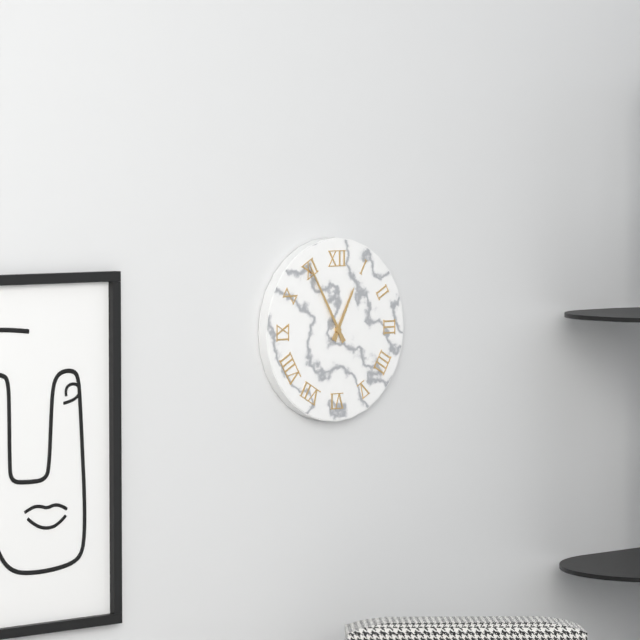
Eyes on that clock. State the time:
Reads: 12:55
